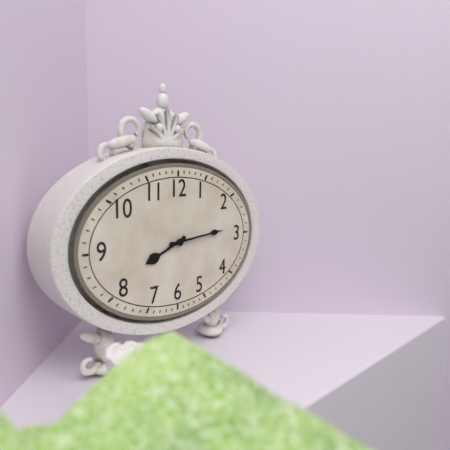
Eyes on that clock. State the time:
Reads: 8:14
